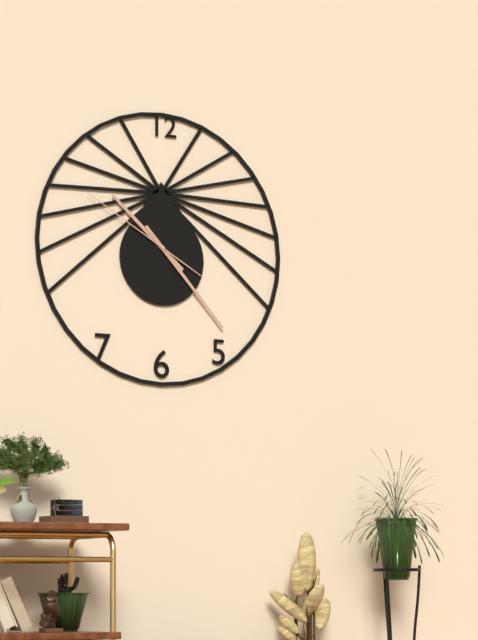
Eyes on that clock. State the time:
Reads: 10:23:50
